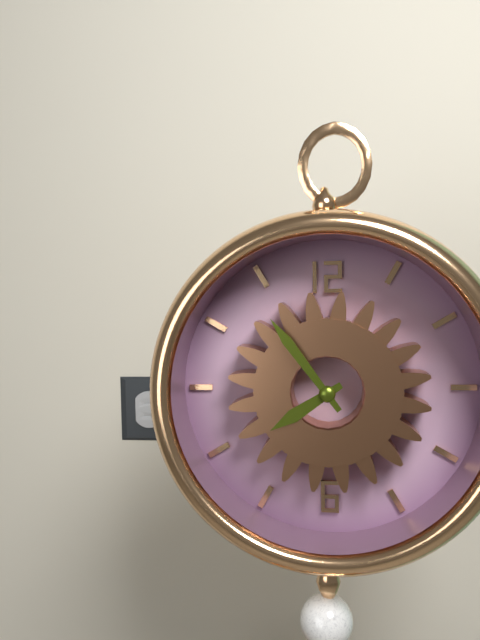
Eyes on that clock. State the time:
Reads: 7:54
